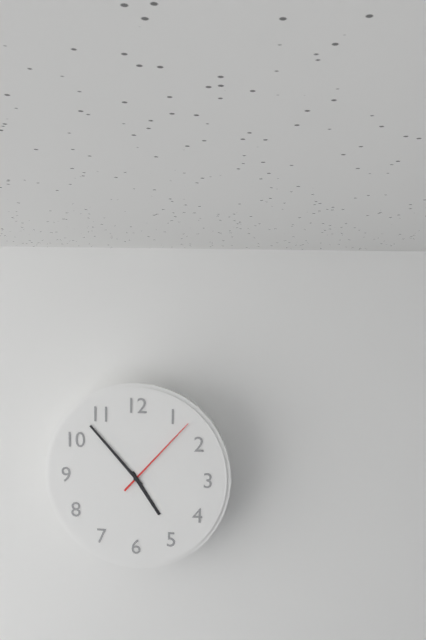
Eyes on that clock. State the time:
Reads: 4:53:07
